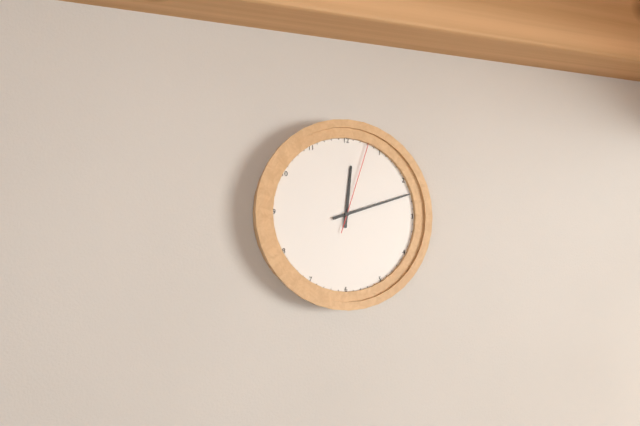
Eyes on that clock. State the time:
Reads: 12:12:03
